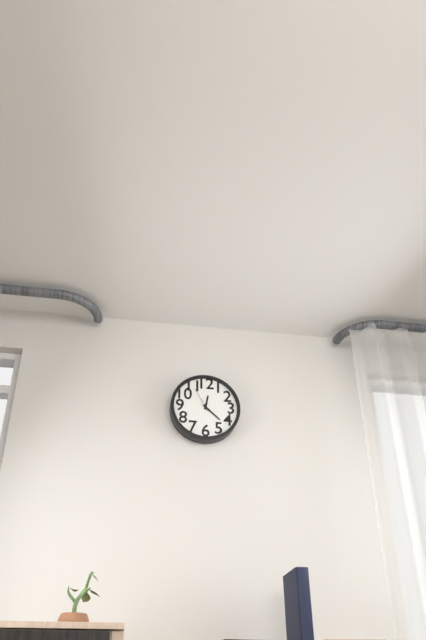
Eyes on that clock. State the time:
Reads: 12:22
